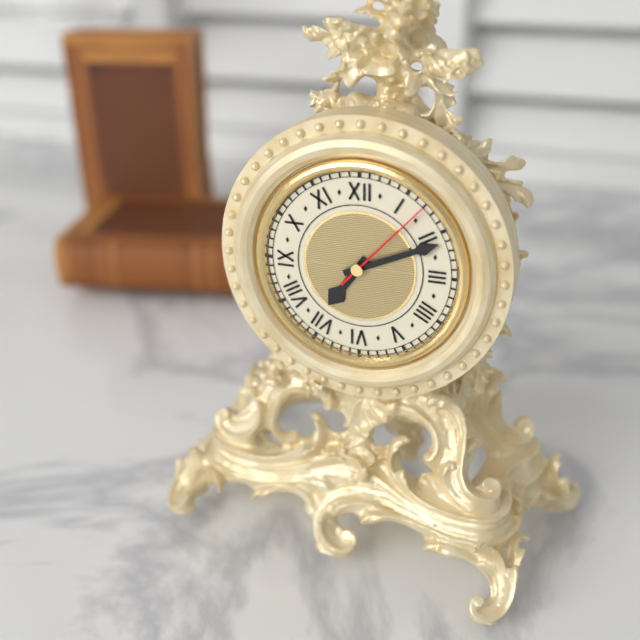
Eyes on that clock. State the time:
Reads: 7:11:07
